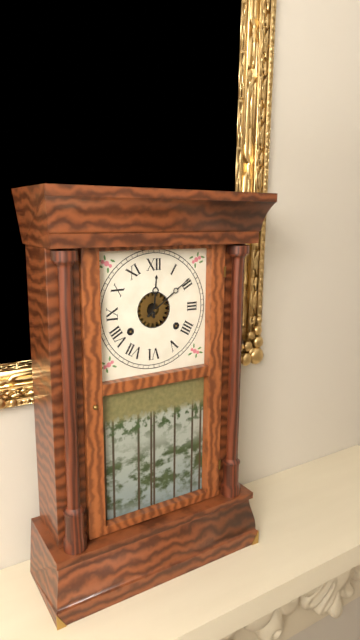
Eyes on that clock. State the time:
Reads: 12:09
